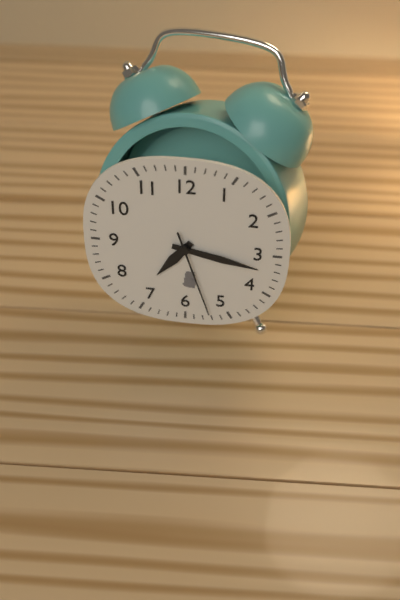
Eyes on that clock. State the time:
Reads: 7:17:27
